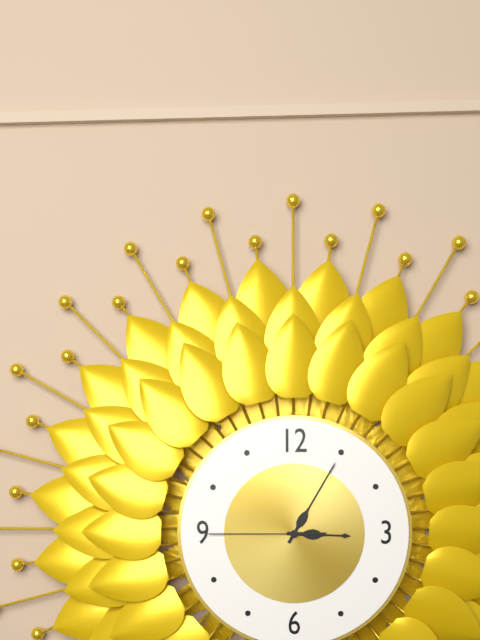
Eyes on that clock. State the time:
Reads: 3:05:45
